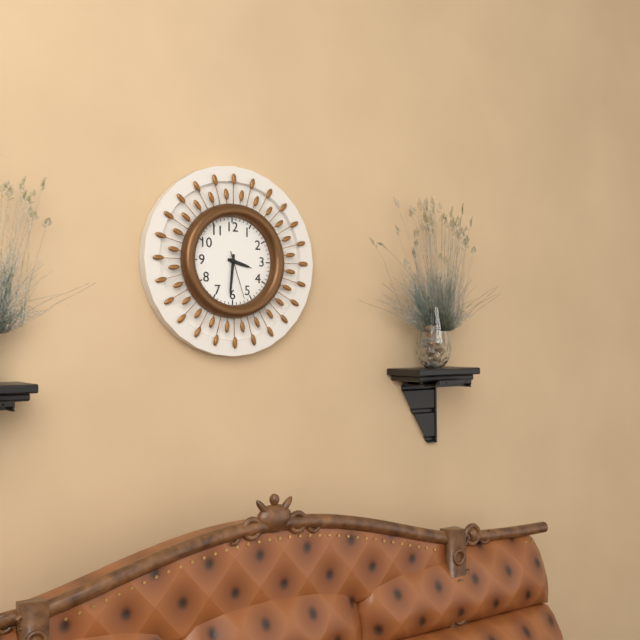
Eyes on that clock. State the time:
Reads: 3:31
